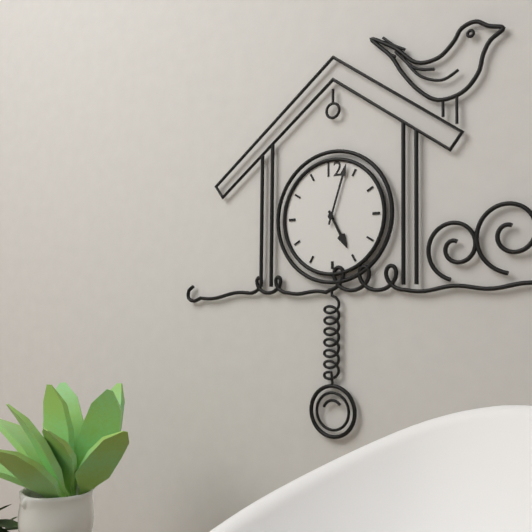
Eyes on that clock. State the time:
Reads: 5:03
